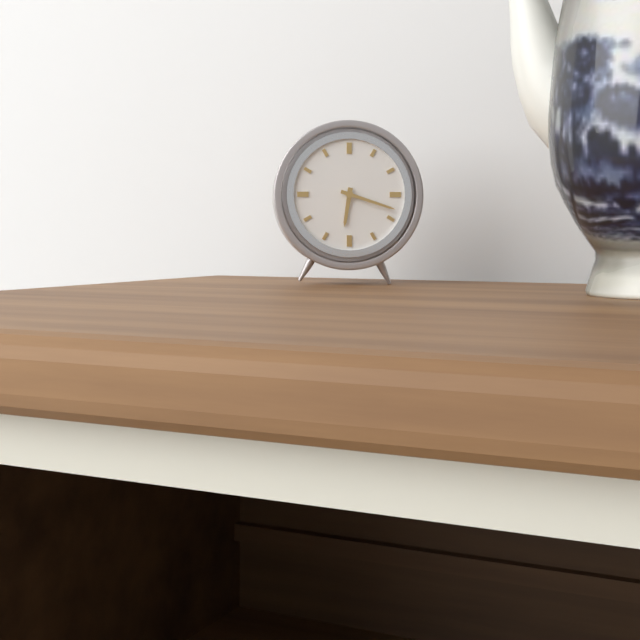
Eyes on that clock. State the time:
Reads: 6:18
